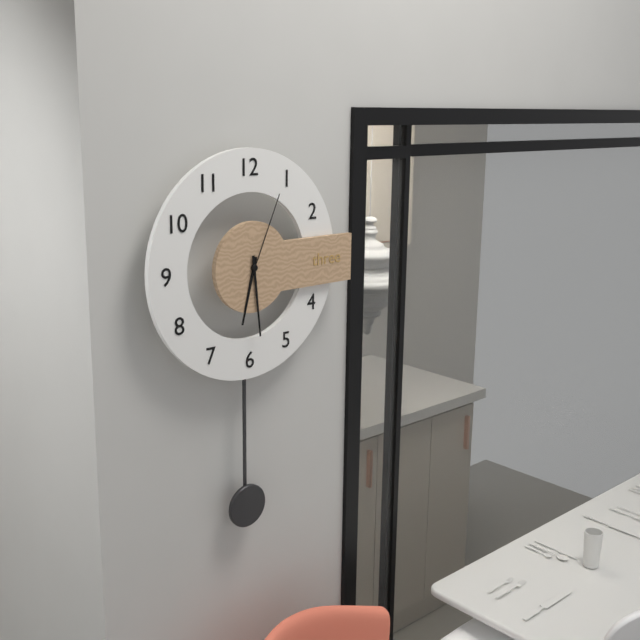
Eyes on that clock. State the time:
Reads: 6:29:04
